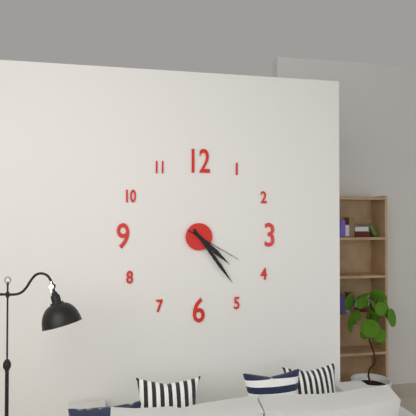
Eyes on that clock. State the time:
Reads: 4:24:20
